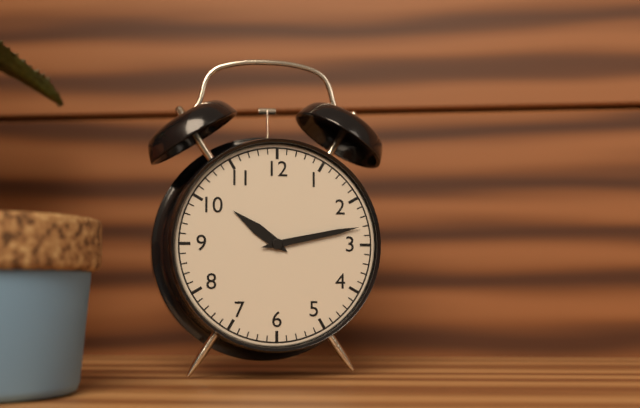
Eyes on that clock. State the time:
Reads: 10:13
